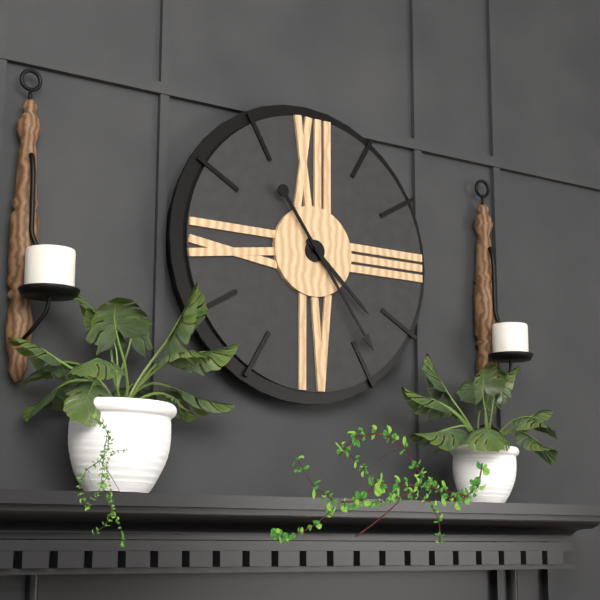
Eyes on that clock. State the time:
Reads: 4:24
